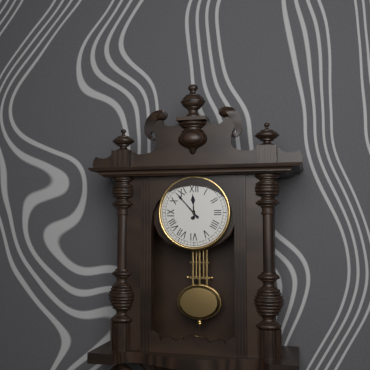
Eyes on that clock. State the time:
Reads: 11:53
